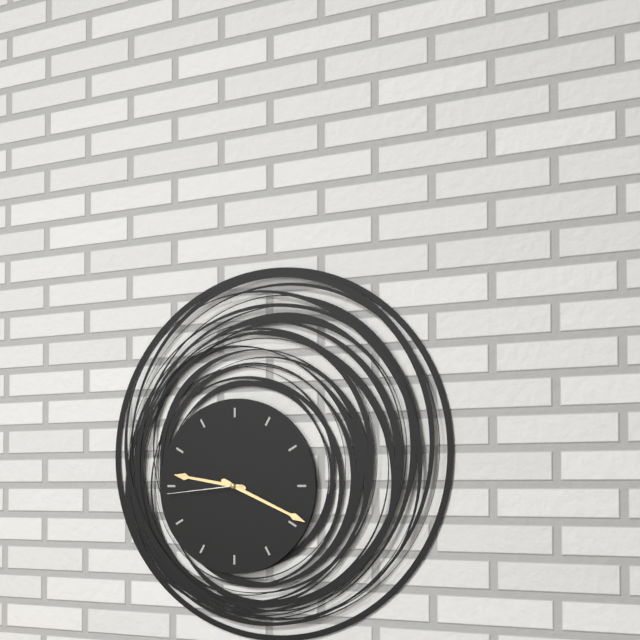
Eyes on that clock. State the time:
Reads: 9:19:44
